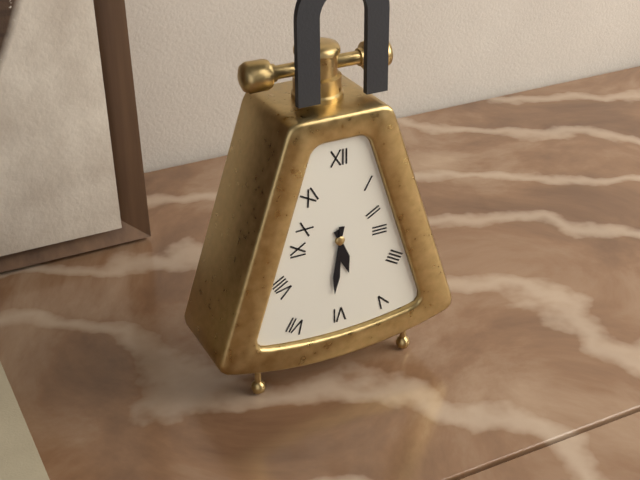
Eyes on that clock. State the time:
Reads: 5:31
